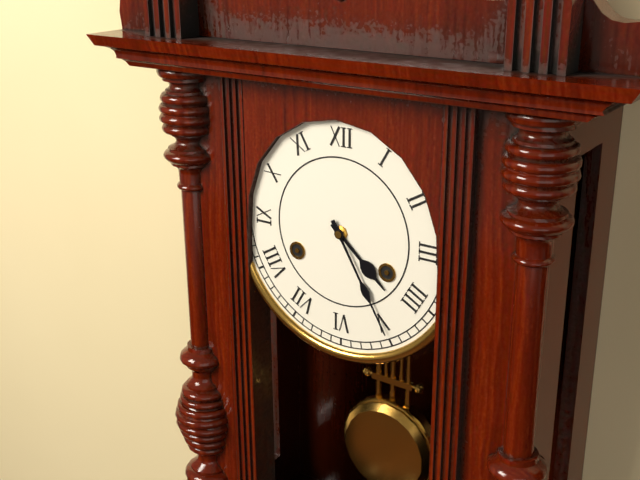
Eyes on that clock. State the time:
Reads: 4:25
